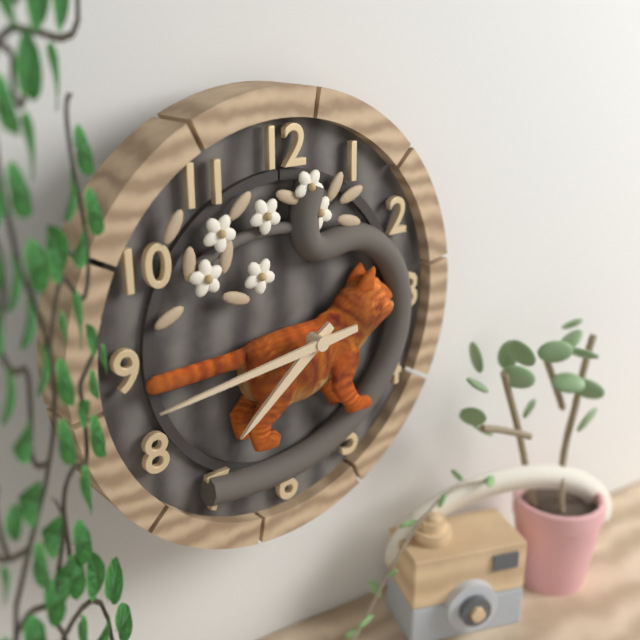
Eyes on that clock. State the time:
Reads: 7:44
